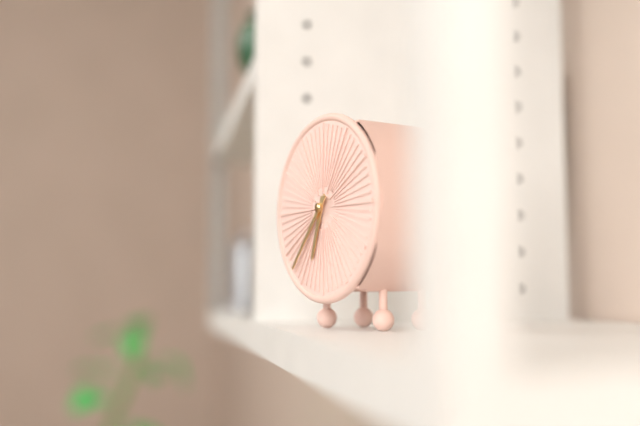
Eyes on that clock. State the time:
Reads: 6:37
